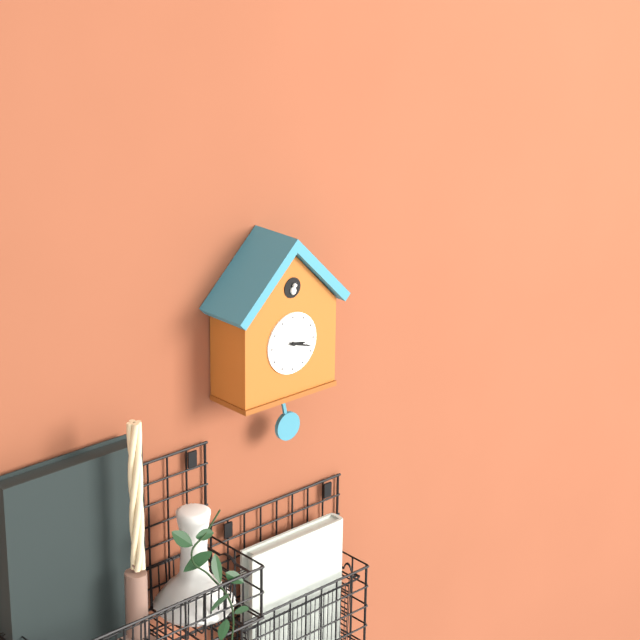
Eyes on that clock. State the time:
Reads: 3:18
